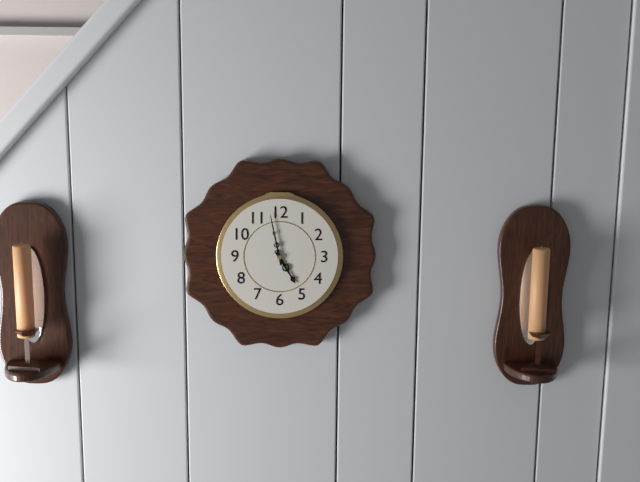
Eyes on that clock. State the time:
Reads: 4:58
